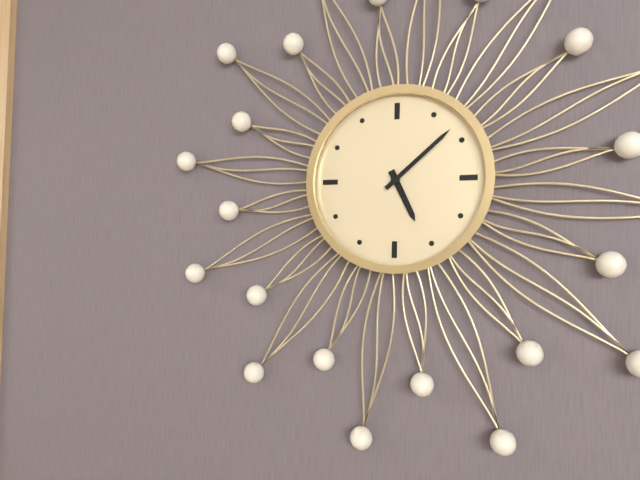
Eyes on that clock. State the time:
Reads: 5:08
